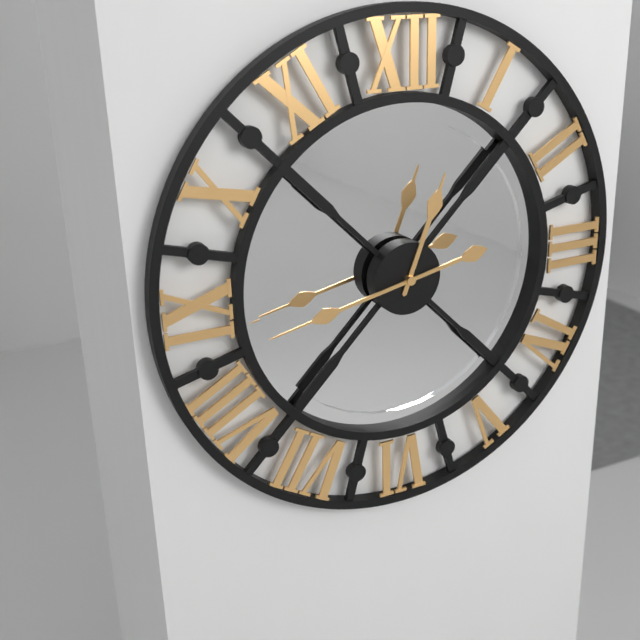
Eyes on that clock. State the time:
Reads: 12:43
